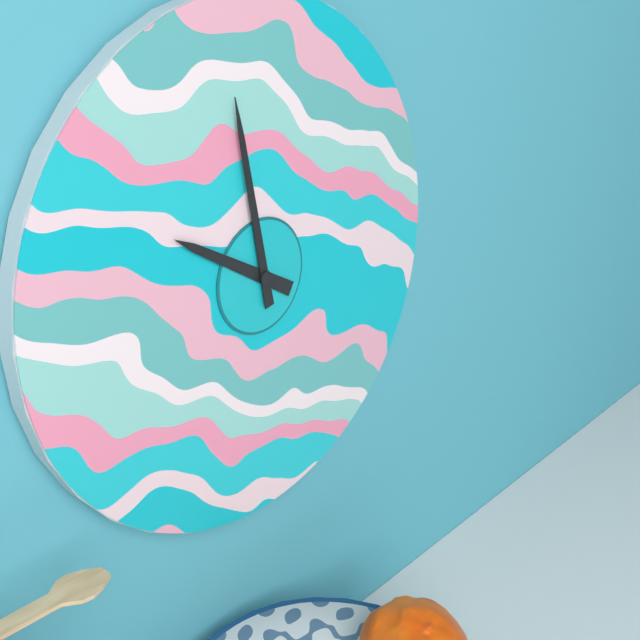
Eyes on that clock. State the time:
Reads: 9:58
